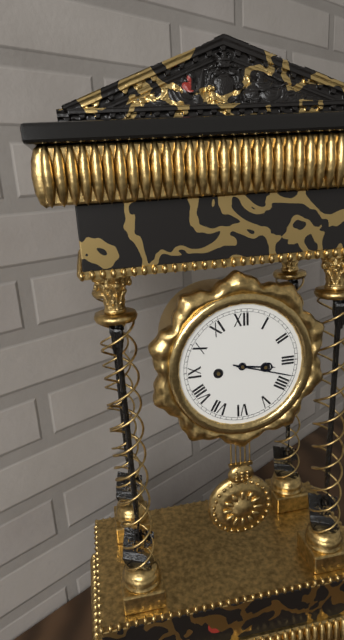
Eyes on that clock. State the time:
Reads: 3:18
